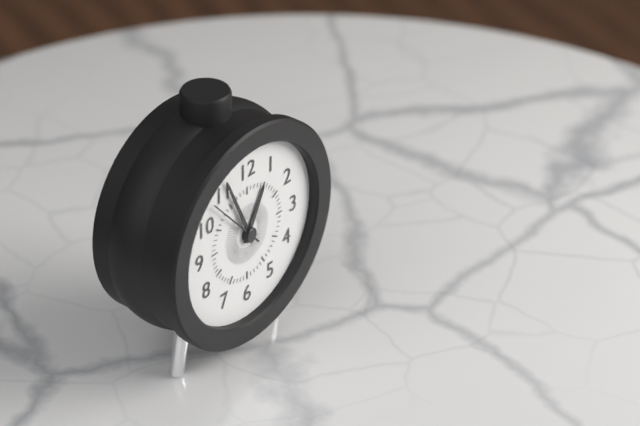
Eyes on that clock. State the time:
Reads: 12:56:53
